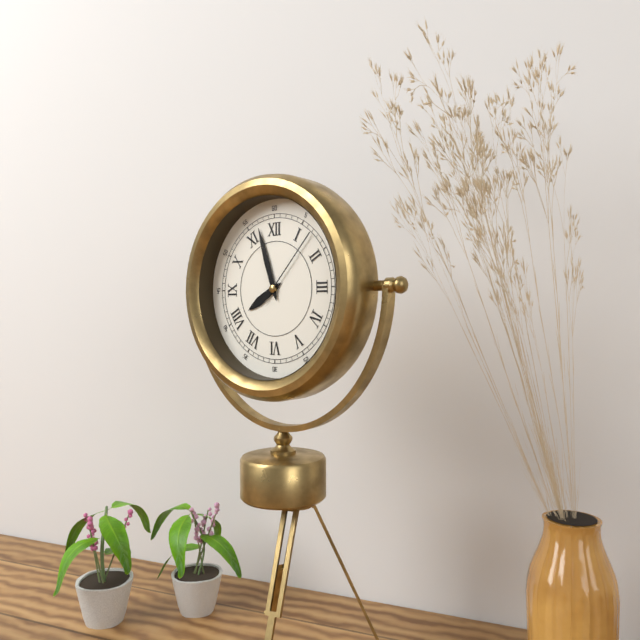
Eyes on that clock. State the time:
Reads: 7:57:07
